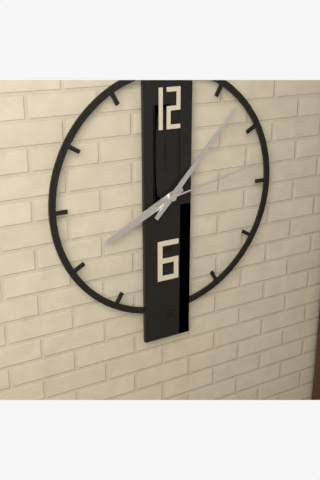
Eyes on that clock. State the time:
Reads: 8:07:13
